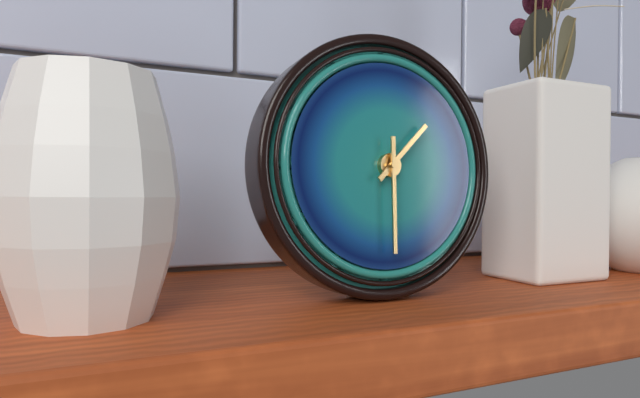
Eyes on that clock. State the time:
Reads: 1:30
